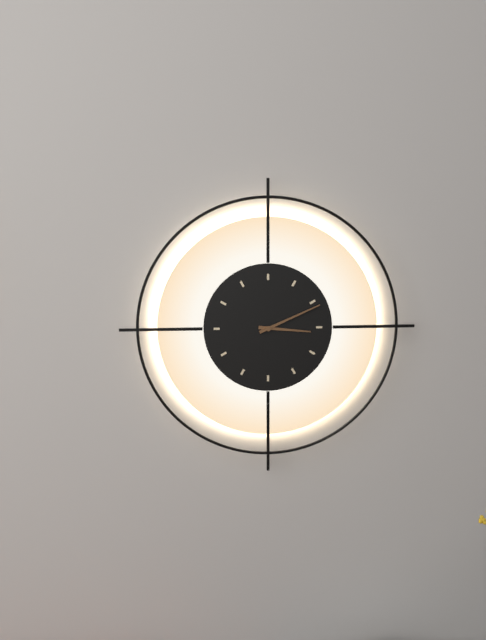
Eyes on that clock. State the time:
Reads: 3:11
